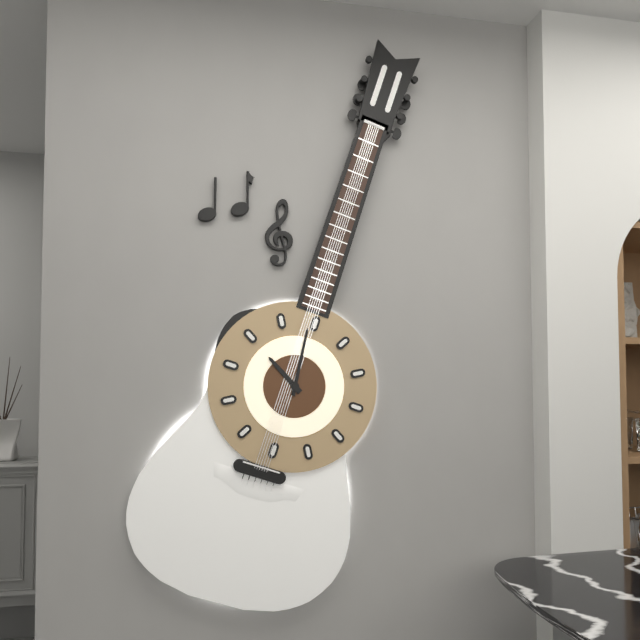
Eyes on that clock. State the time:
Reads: 9:59
